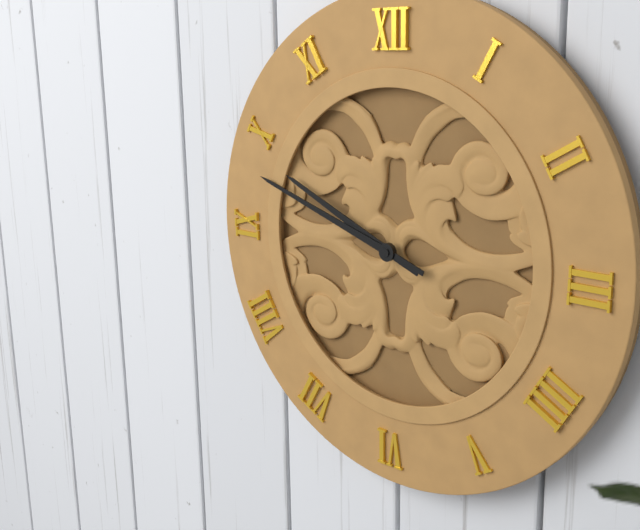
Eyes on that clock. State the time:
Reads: 9:48
